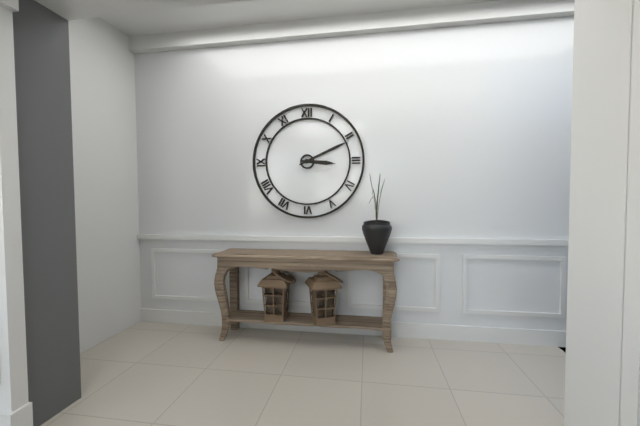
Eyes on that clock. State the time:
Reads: 3:11
